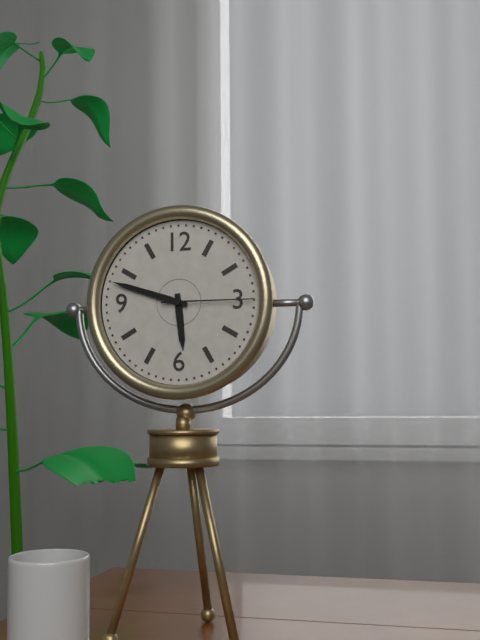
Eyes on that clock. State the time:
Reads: 5:48:15
